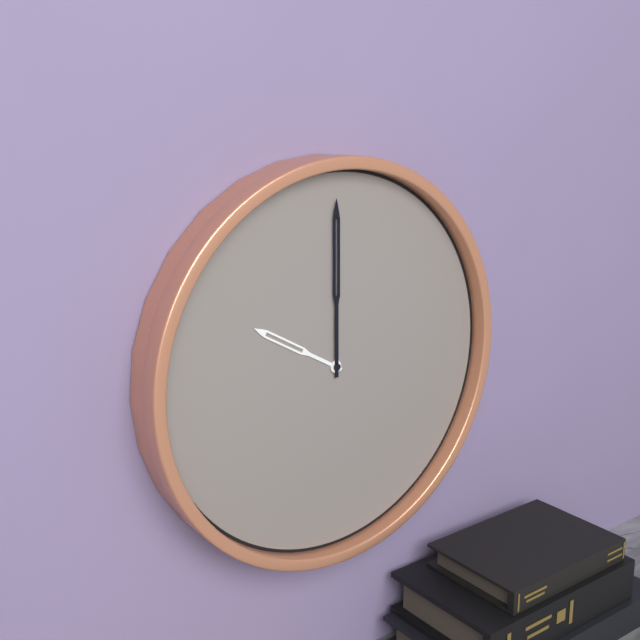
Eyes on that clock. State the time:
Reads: 10:00
